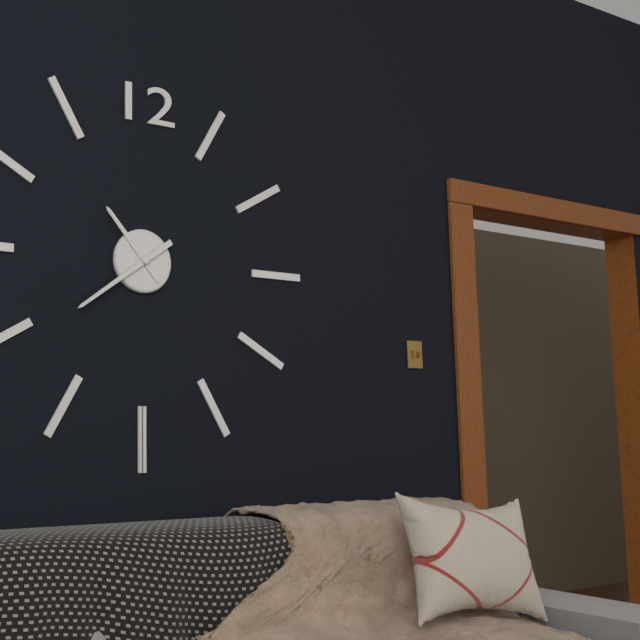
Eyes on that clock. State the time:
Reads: 10:39
